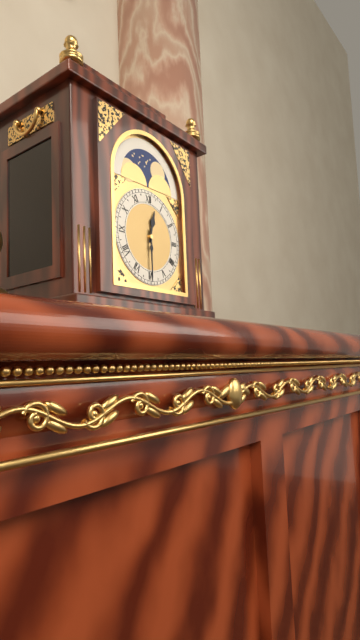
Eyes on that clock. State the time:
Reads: 12:30
